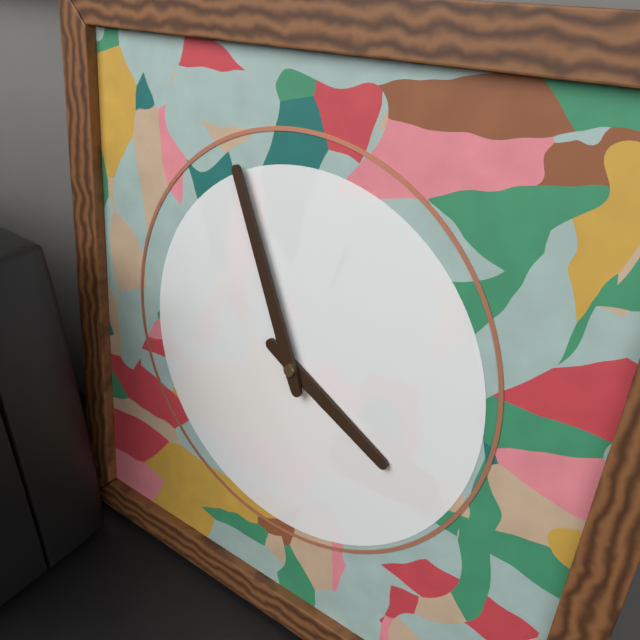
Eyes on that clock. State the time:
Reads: 3:56
